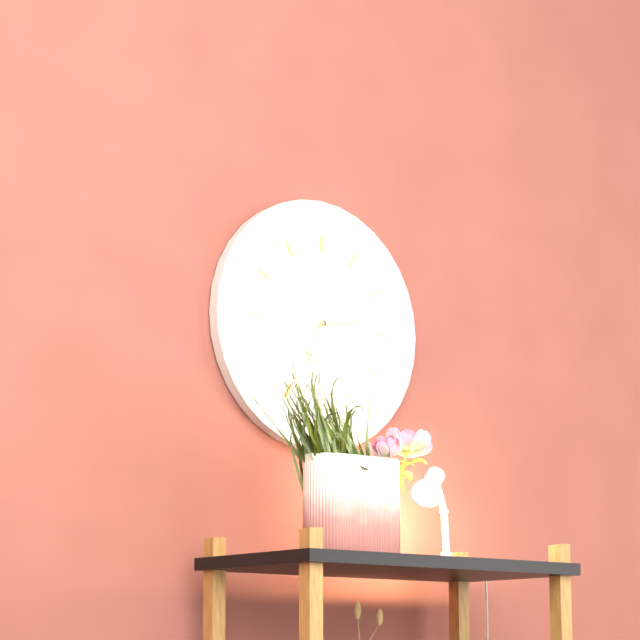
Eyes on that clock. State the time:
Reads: 2:35
